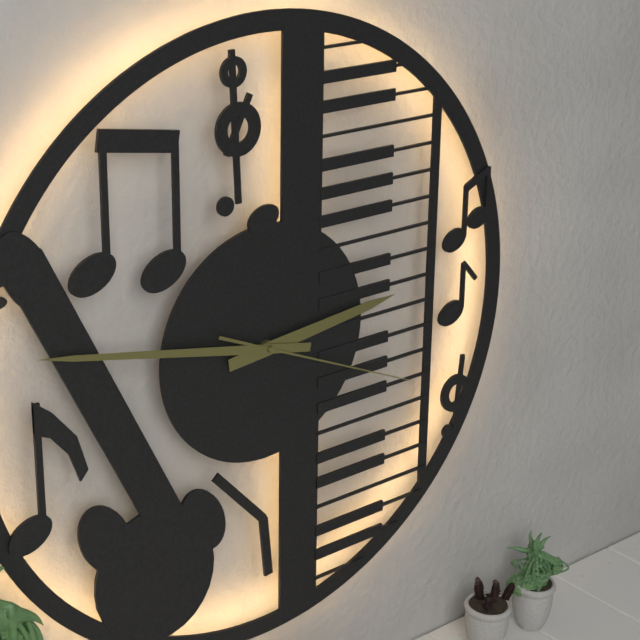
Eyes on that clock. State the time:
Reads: 2:47:19
